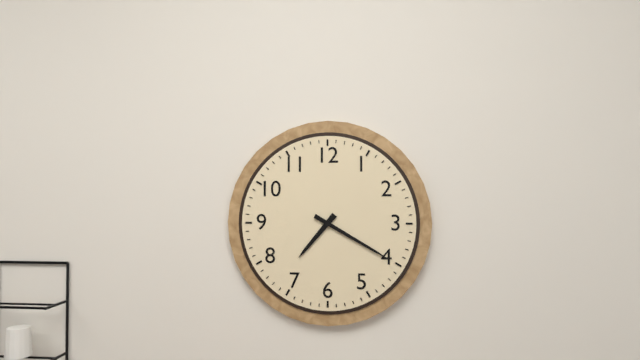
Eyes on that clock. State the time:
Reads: 7:20
